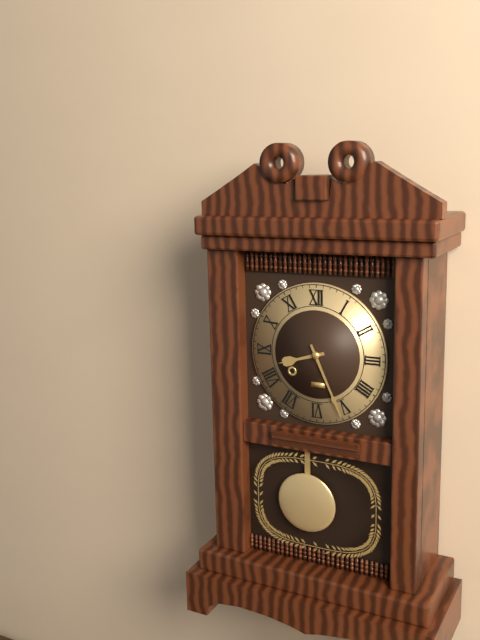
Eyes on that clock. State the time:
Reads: 8:26
